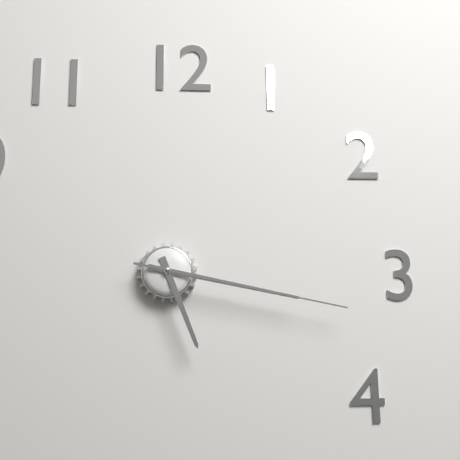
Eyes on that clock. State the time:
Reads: 5:17:17
